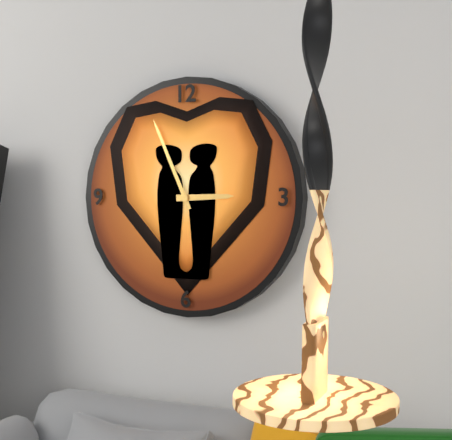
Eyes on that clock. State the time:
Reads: 2:56
